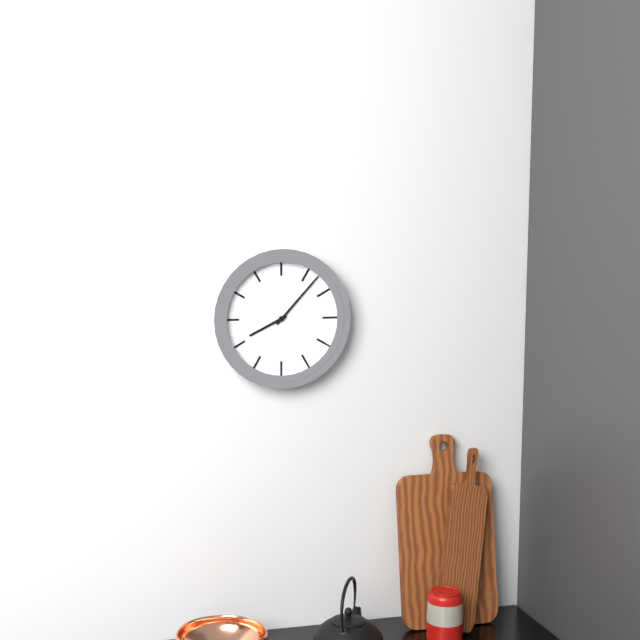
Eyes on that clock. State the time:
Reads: 8:07
